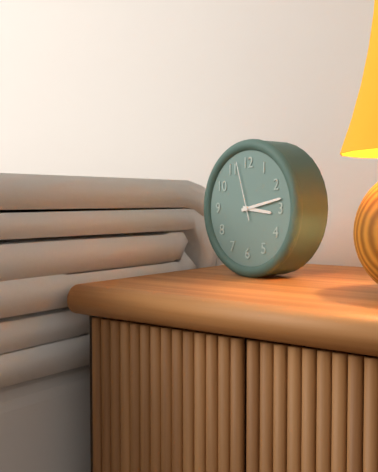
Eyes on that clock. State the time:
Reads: 3:13:57
